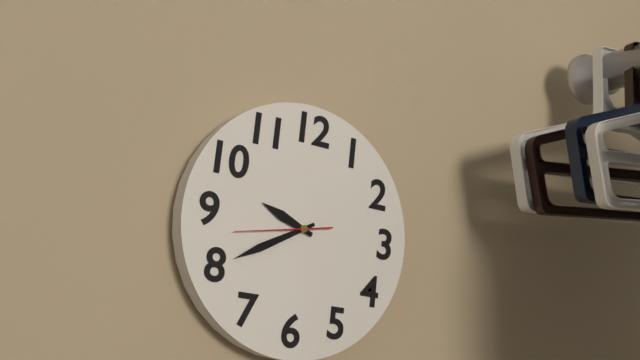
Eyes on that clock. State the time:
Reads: 9:40:43
